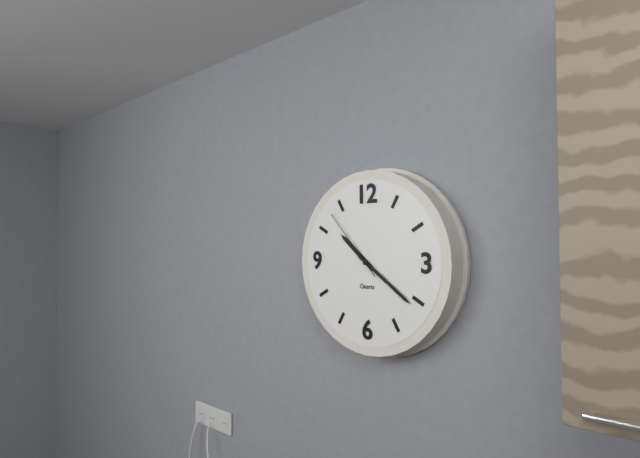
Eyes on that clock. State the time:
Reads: 10:21:53
